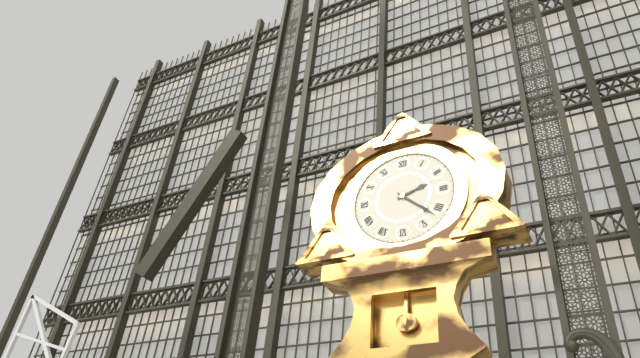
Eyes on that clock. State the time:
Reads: 2:22
